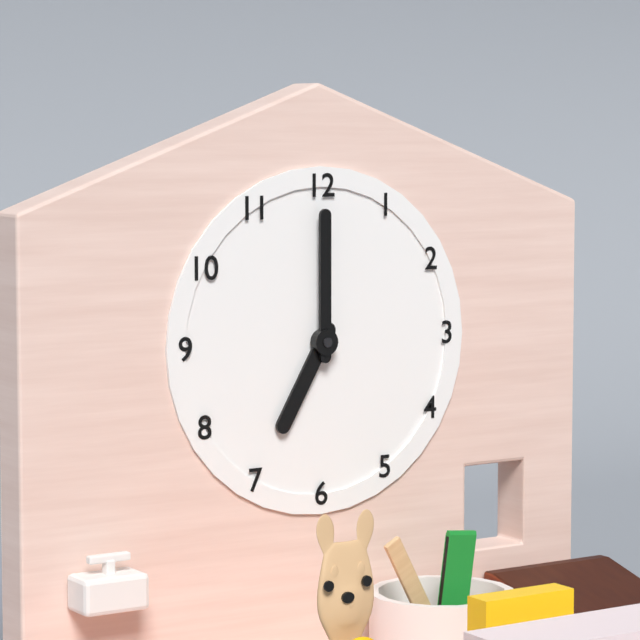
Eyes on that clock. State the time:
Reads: 7:00
